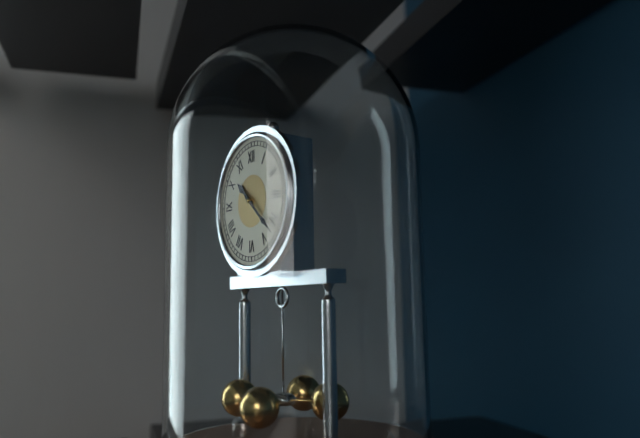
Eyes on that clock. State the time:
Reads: 10:22
